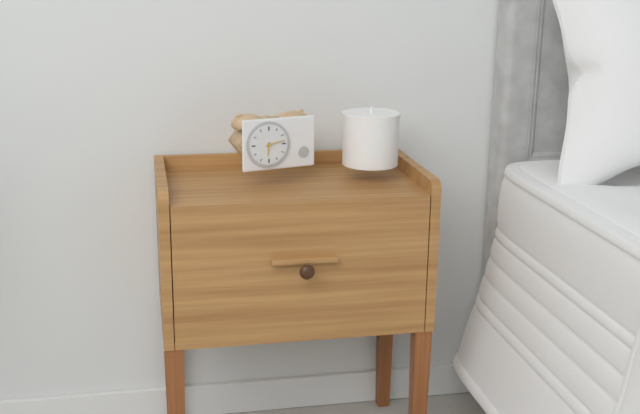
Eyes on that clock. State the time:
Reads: 6:13
